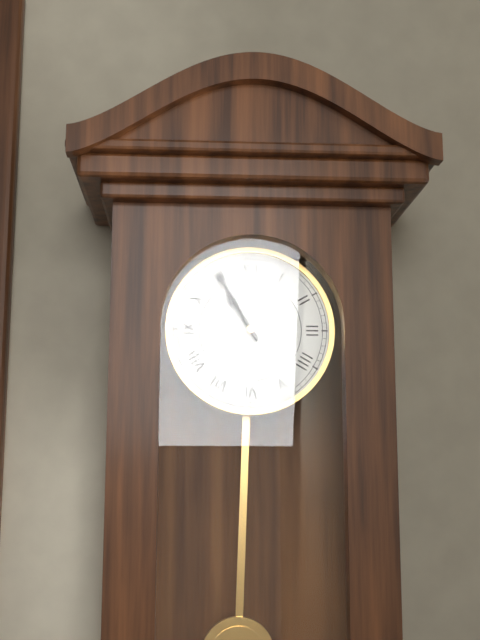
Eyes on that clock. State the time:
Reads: 10:55
